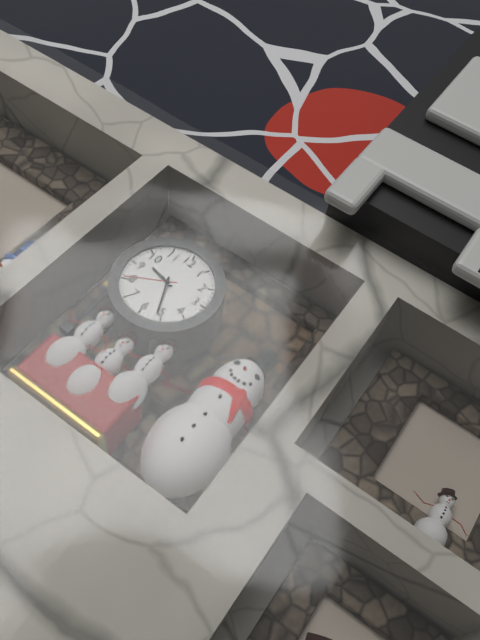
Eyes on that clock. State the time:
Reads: 9:26:40
